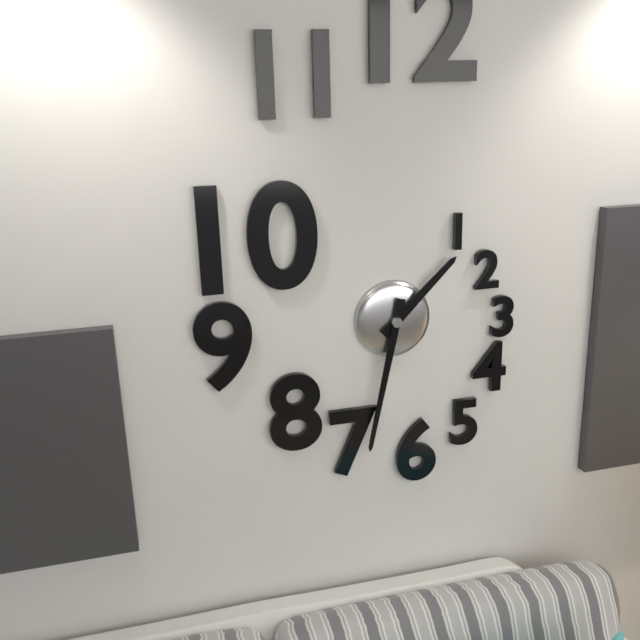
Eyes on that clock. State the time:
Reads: 1:32
